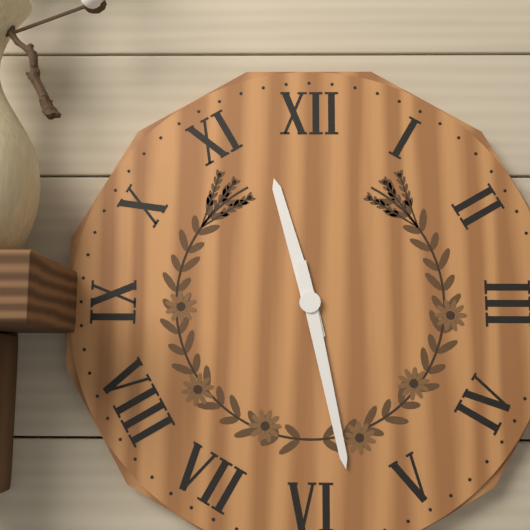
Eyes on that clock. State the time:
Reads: 11:28
